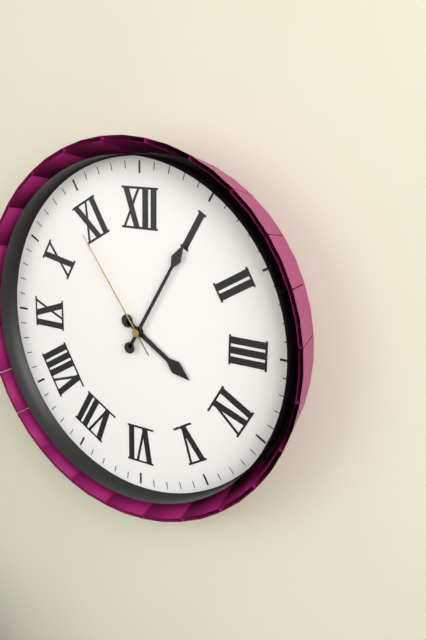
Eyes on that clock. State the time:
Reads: 4:05:54
